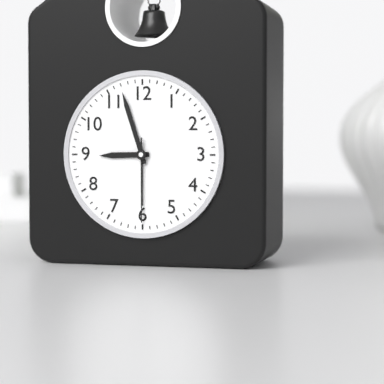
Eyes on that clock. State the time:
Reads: 8:57:30
